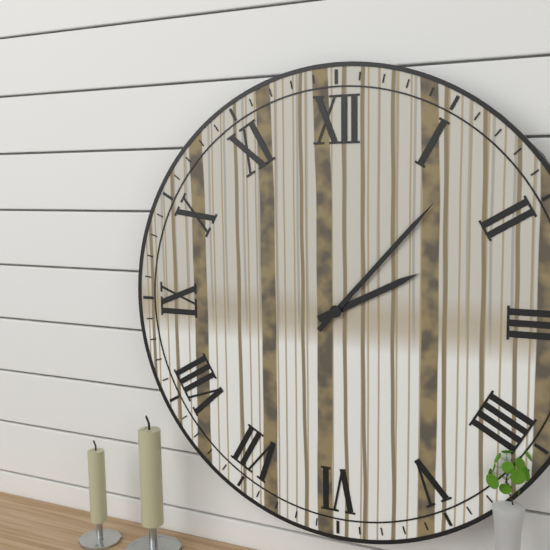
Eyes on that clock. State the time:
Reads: 2:07
